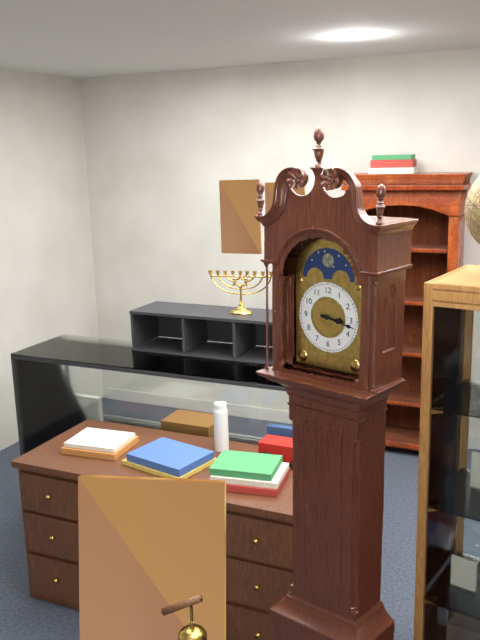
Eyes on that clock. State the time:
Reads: 3:17
